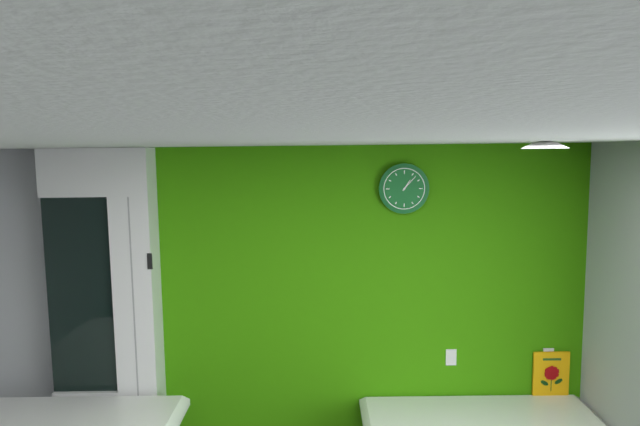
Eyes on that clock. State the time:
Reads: 1:07
